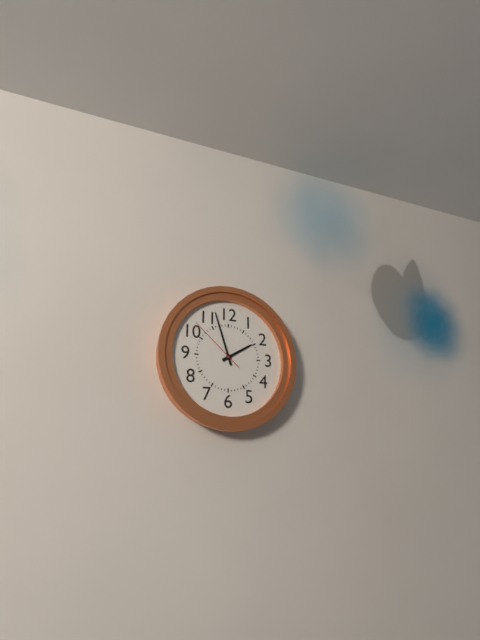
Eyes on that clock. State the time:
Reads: 1:57:52
